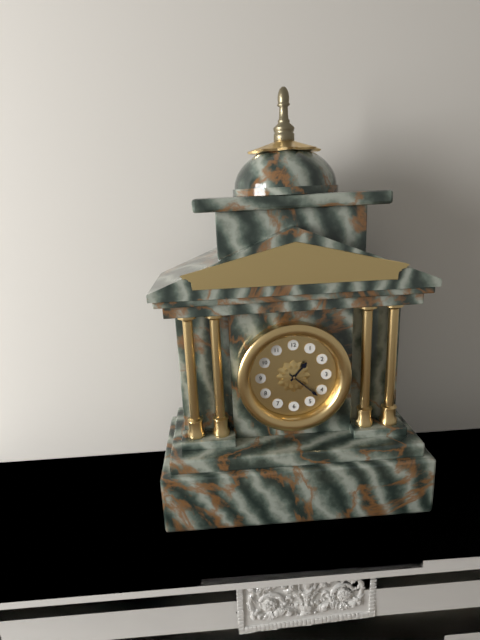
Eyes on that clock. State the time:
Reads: 1:22
